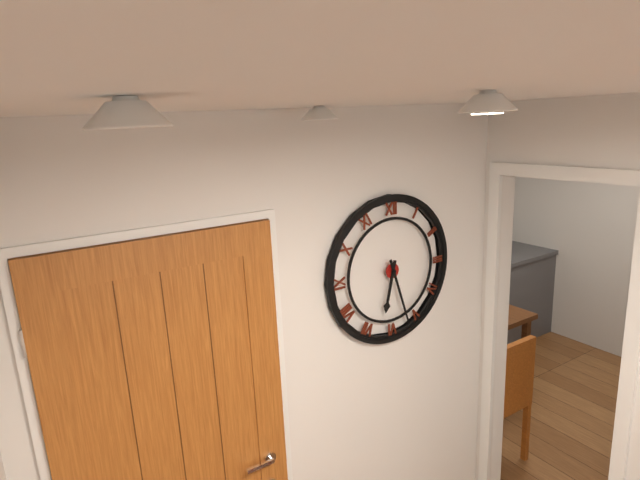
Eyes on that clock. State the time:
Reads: 6:27
